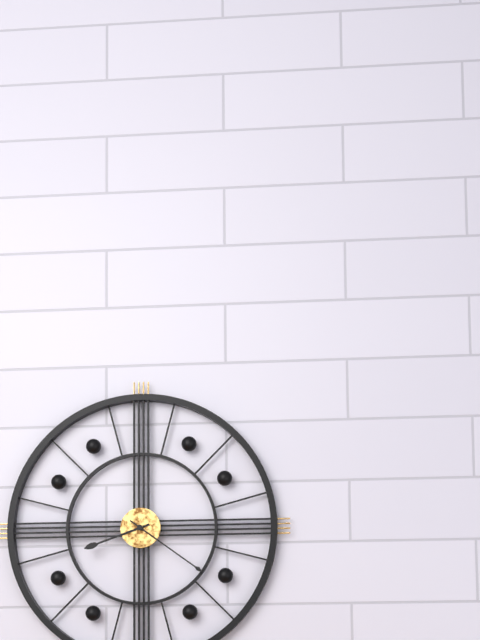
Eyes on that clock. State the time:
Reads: 8:21
